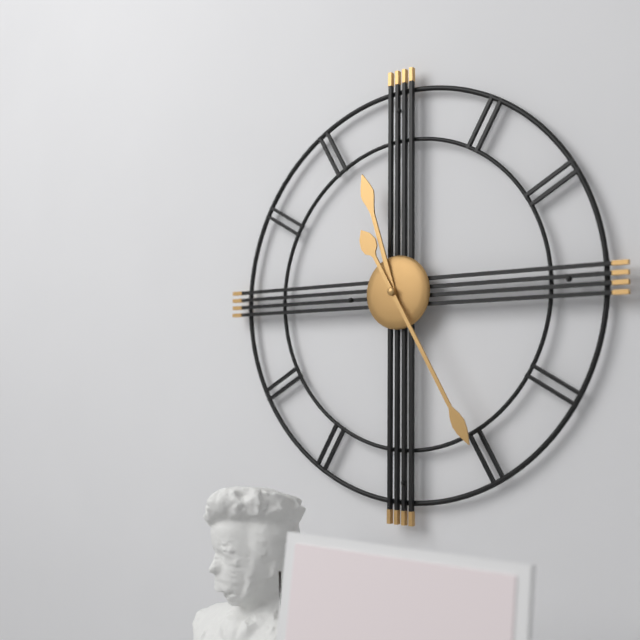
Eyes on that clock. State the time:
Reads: 11:25
